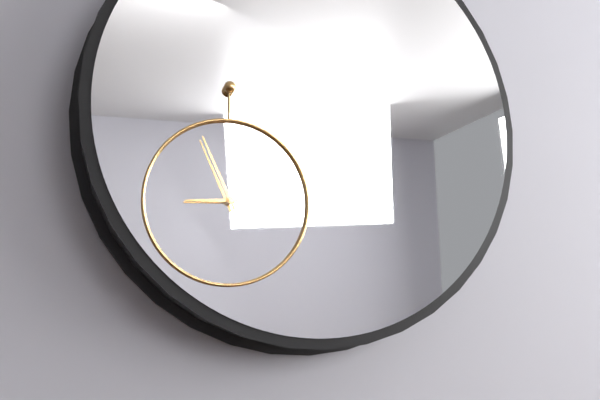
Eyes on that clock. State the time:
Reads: 8:56
